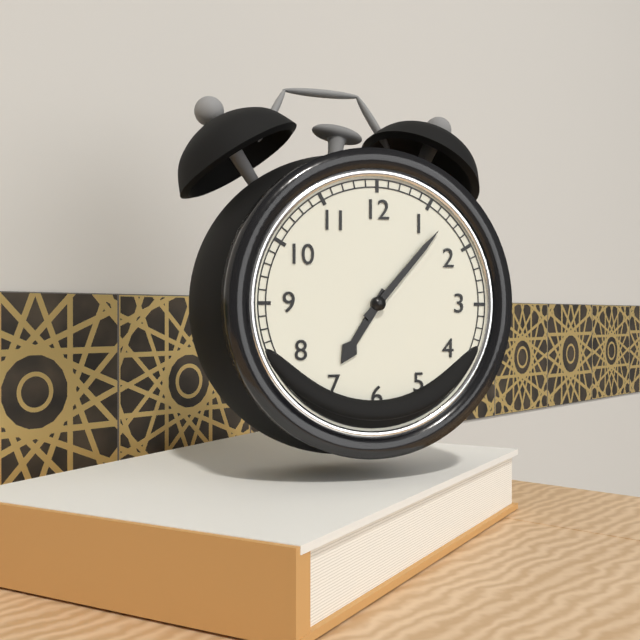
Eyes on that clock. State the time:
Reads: 7:07
